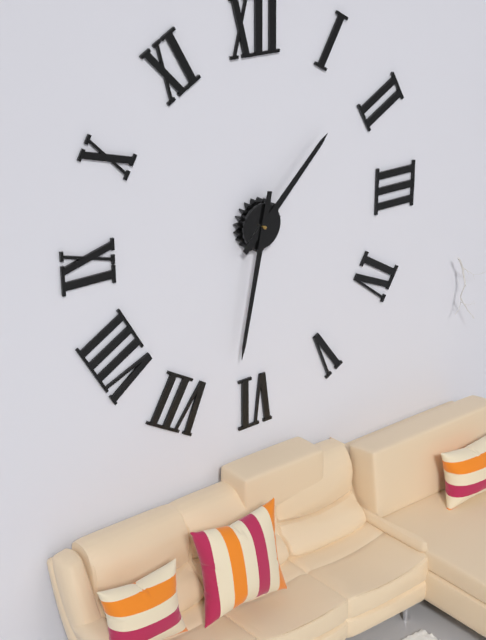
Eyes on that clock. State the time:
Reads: 1:32
